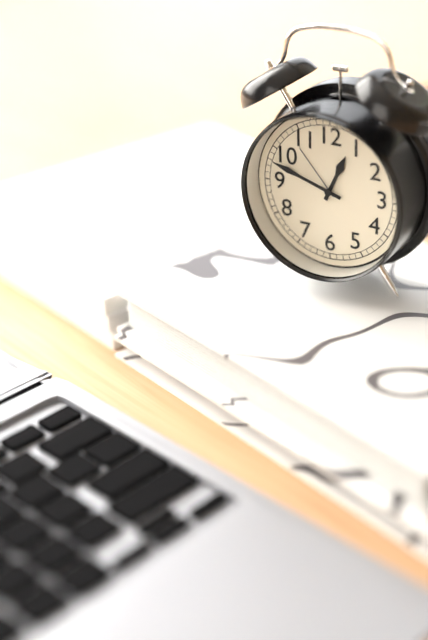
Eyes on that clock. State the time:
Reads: 12:48
